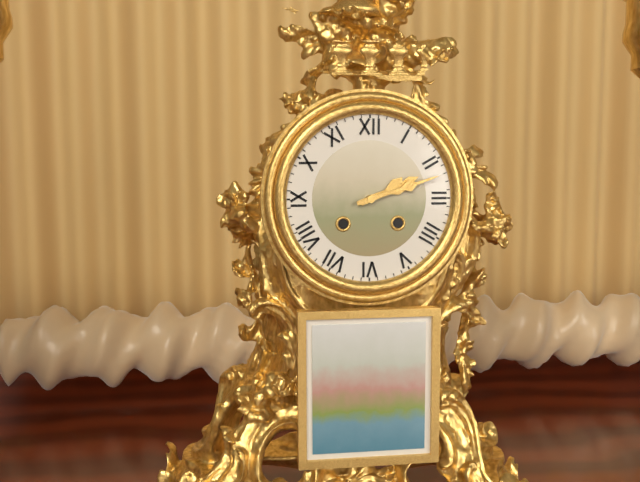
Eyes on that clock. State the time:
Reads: 2:12
